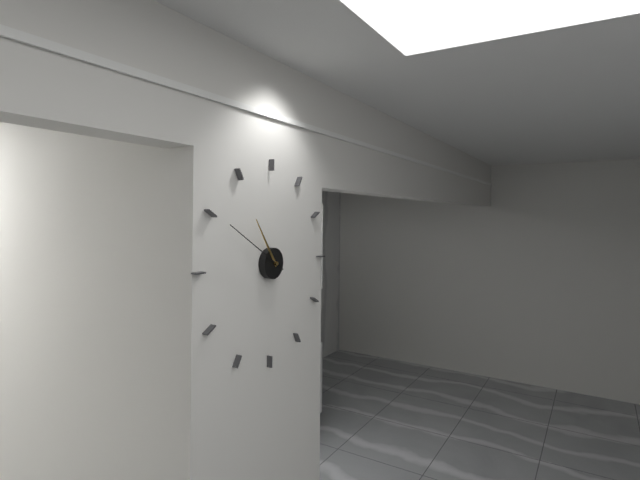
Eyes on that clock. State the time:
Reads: 10:50
